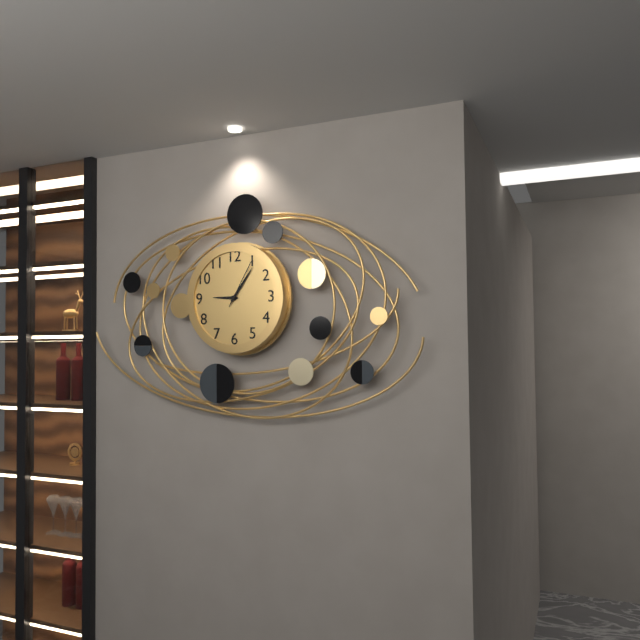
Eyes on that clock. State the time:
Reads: 9:06:05
